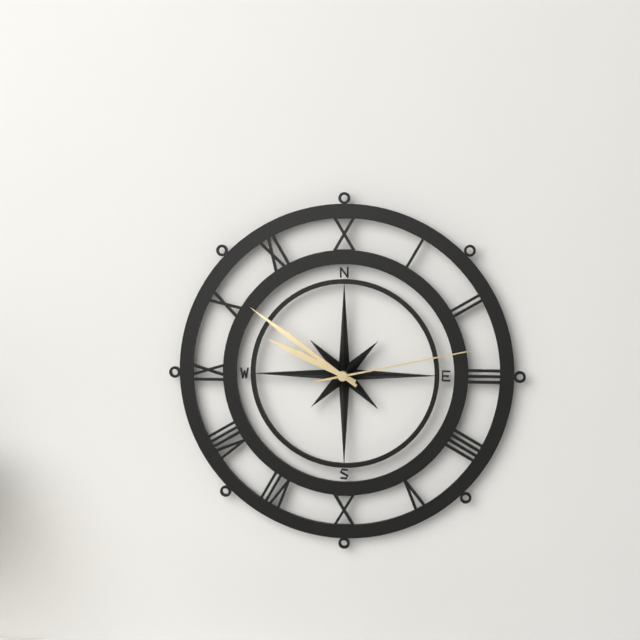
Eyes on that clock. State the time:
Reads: 9:51:13
